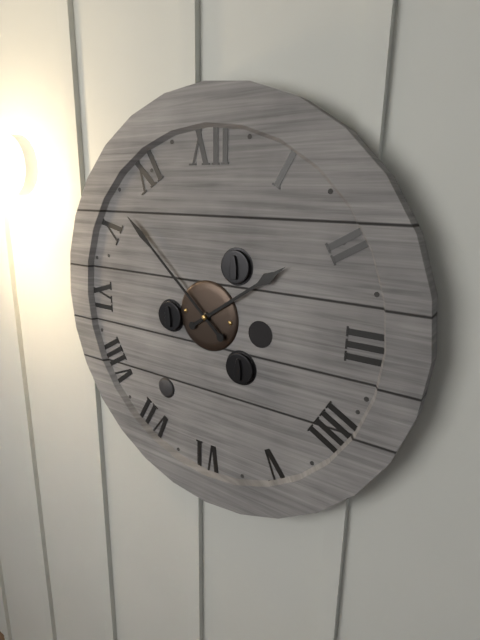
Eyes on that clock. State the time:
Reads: 1:52
